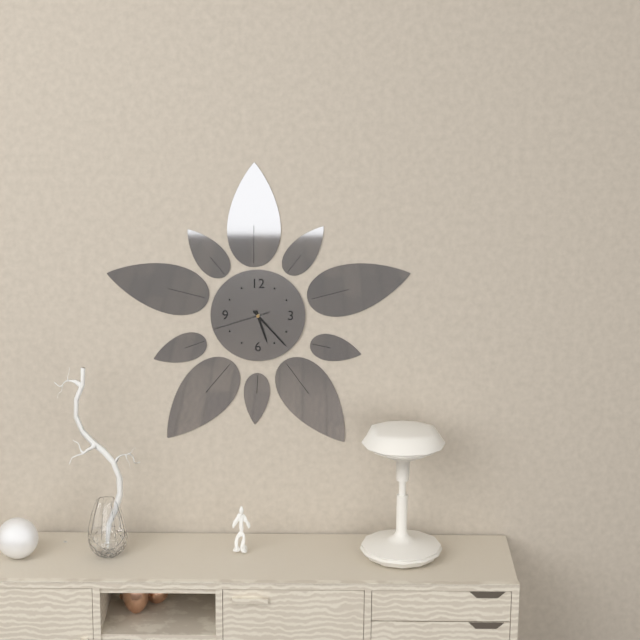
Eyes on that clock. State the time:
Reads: 5:23:42
